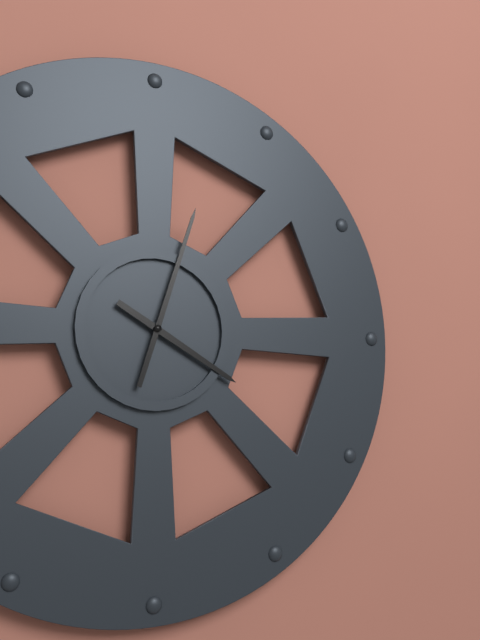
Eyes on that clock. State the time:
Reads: 4:03
